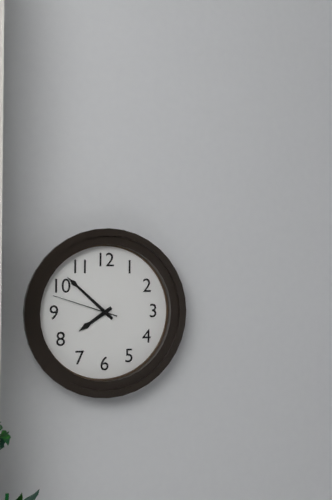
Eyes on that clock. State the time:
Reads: 7:52:48
